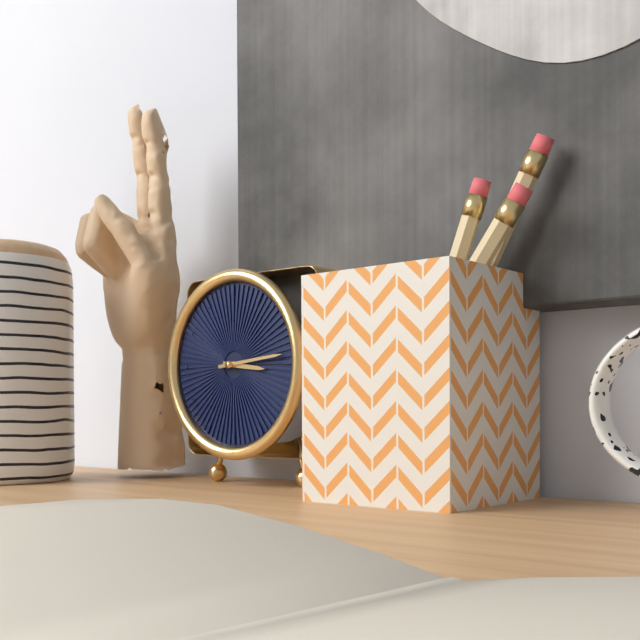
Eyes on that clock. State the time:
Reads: 3:14
